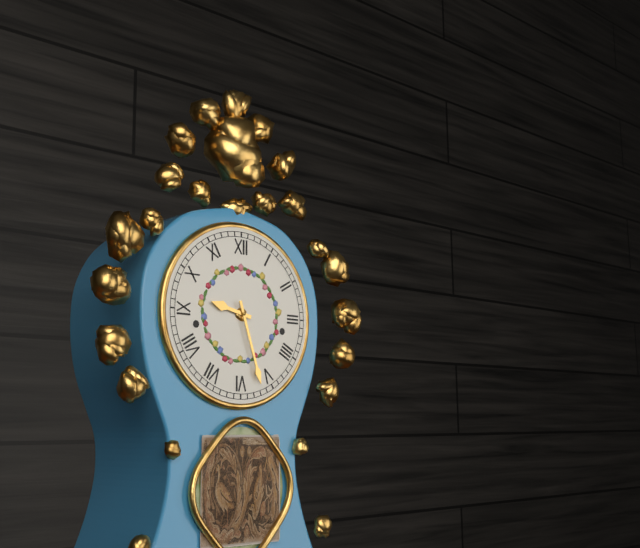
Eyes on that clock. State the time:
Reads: 9:27
